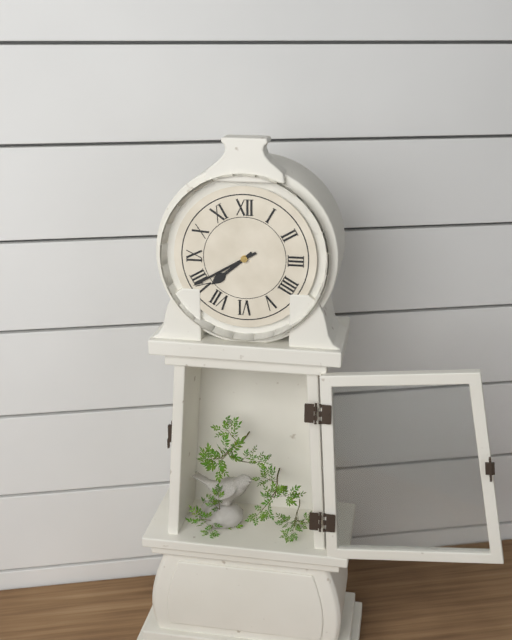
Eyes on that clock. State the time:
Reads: 7:40
